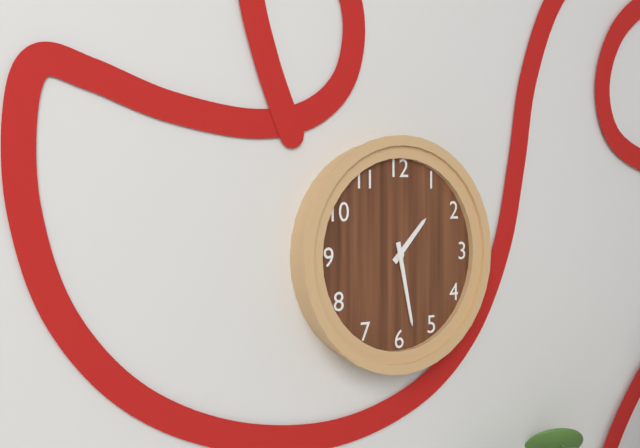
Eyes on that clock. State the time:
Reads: 1:28
